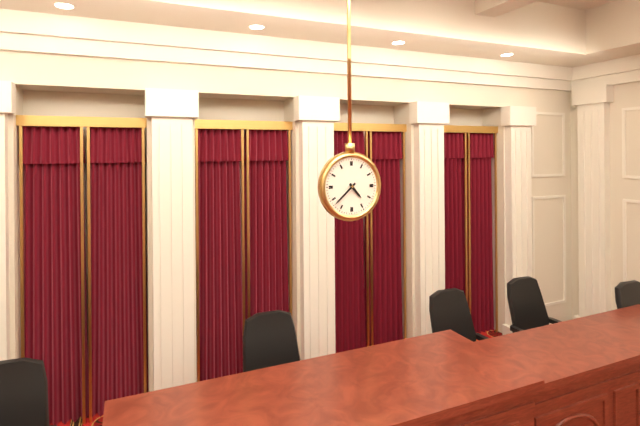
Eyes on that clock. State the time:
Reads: 4:38
